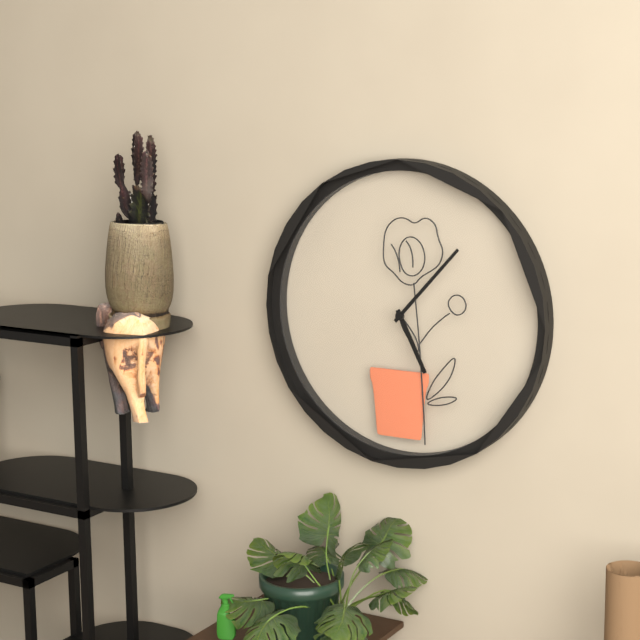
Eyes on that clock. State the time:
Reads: 5:07
